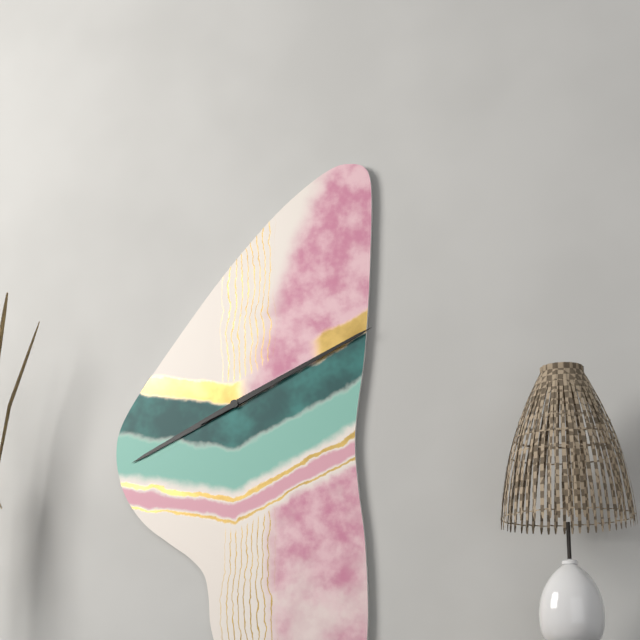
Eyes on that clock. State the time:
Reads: 8:11
